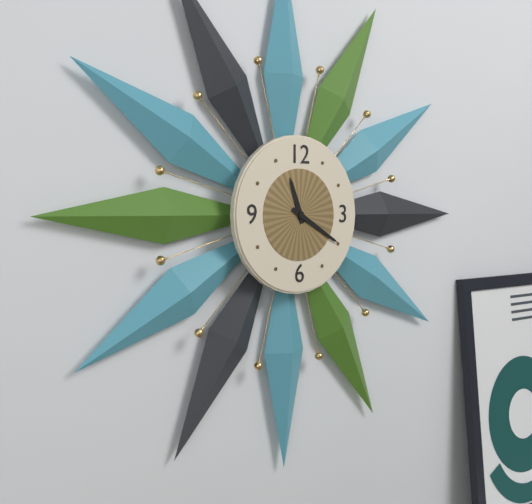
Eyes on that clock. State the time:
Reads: 11:20
